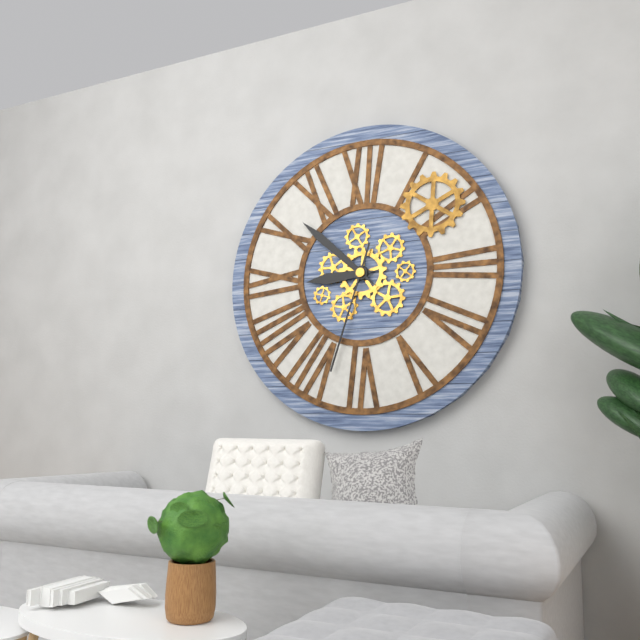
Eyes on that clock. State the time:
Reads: 8:52:33
